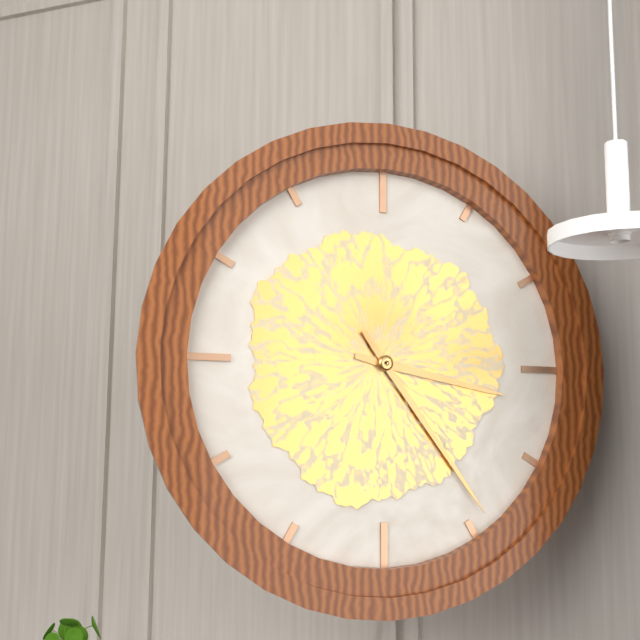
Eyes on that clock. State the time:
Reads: 3:24
